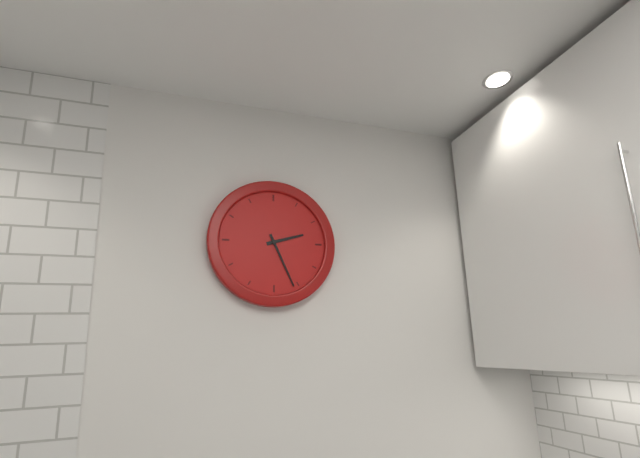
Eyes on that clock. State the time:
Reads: 2:26
